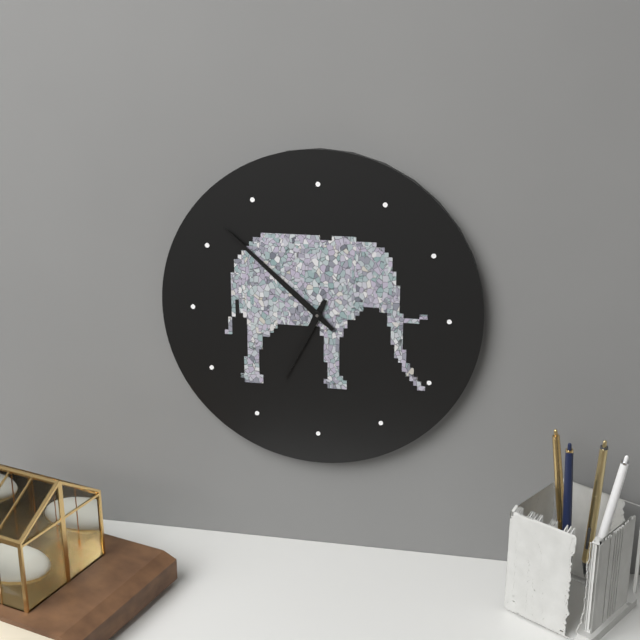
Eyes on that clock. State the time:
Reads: 6:52
